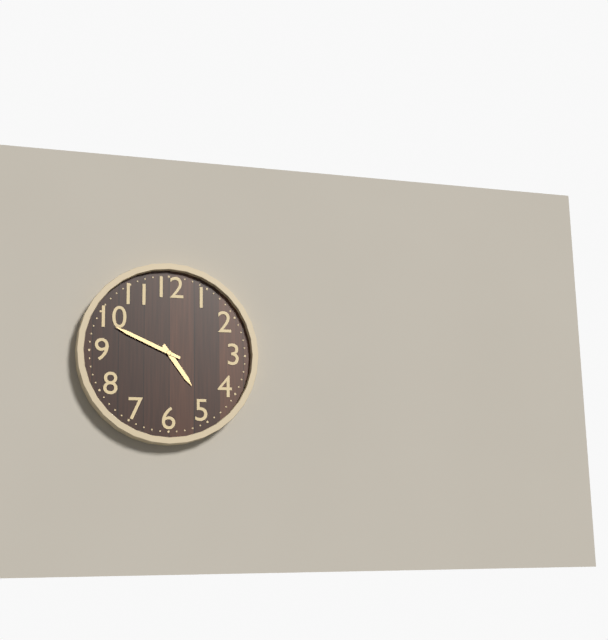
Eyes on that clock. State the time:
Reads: 4:49
